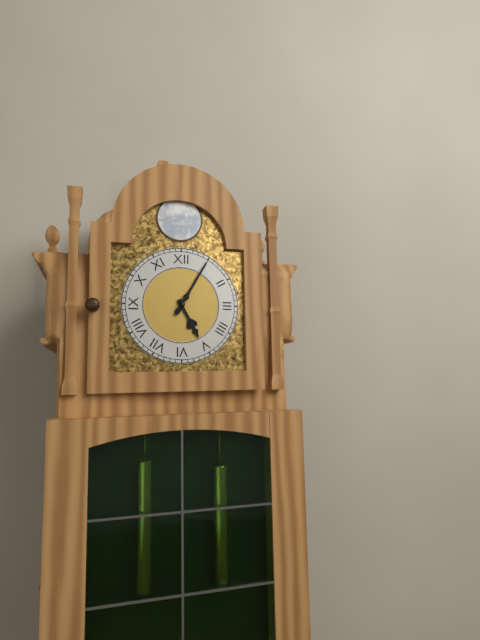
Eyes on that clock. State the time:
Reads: 5:05
